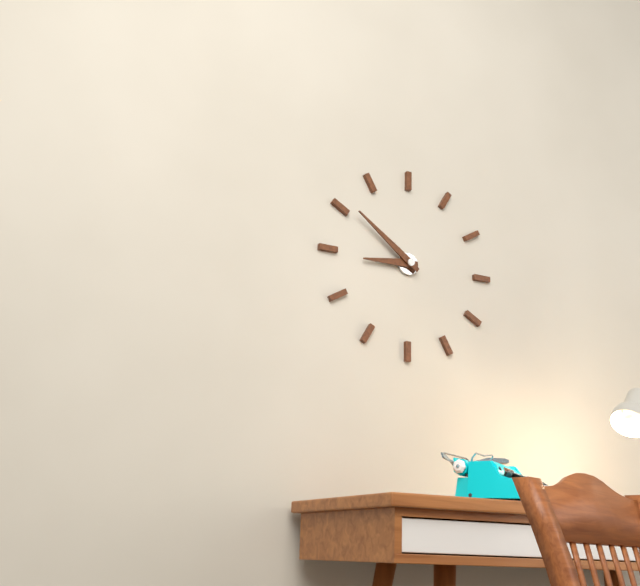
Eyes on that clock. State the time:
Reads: 8:51
